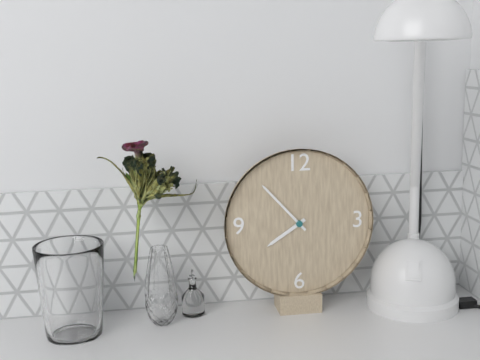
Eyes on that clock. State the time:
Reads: 7:53
